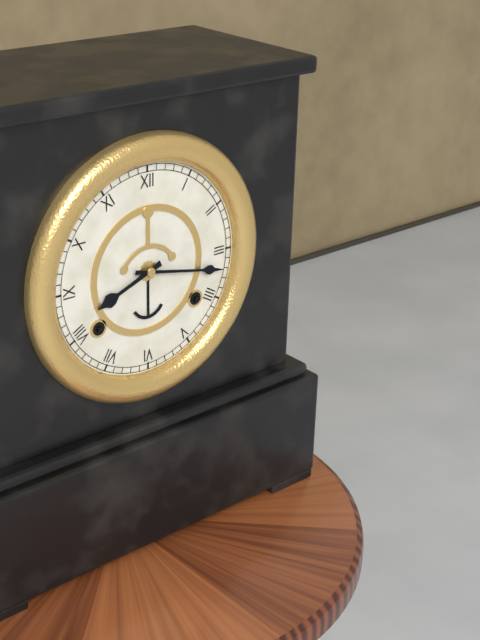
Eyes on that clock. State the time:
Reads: 8:17
